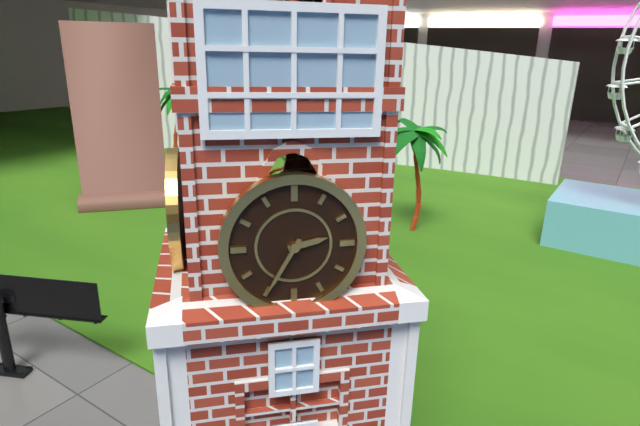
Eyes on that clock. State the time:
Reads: 2:35
